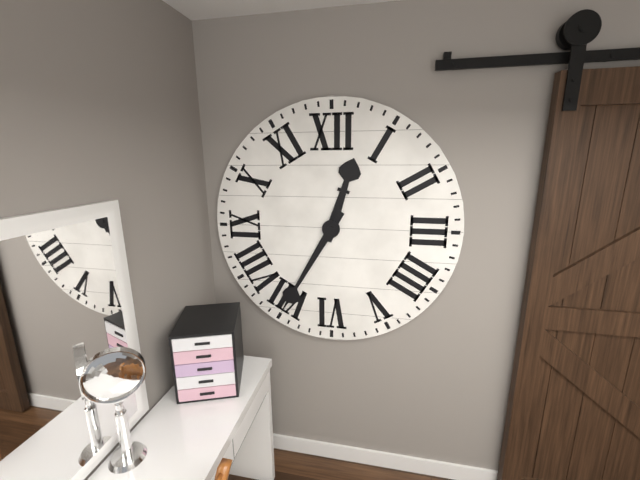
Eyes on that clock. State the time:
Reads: 12:35
